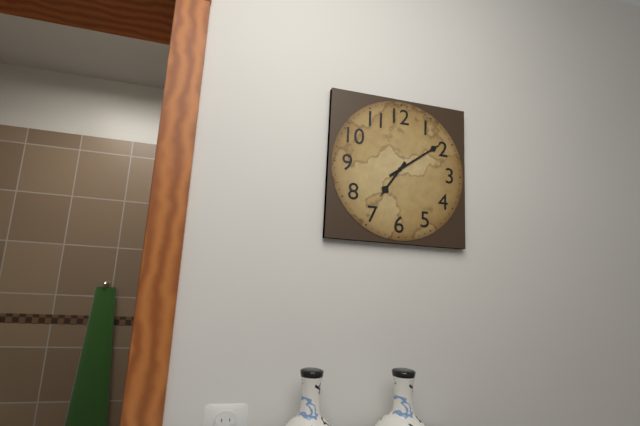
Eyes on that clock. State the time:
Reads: 7:09
